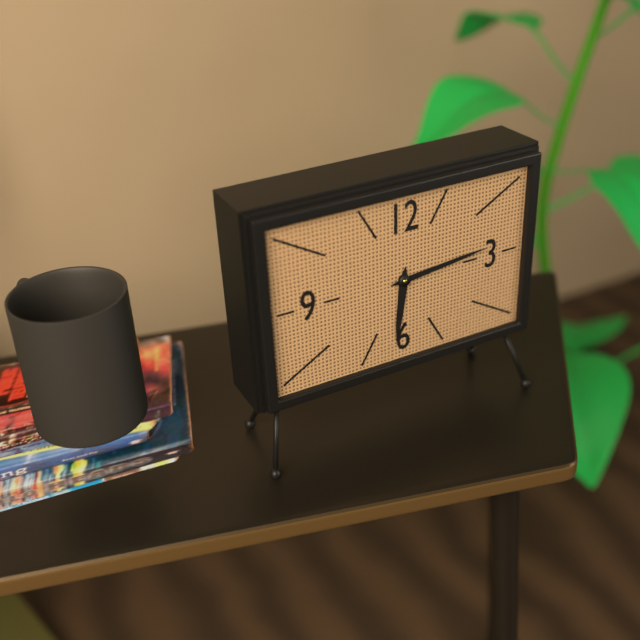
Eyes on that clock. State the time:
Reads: 6:14
